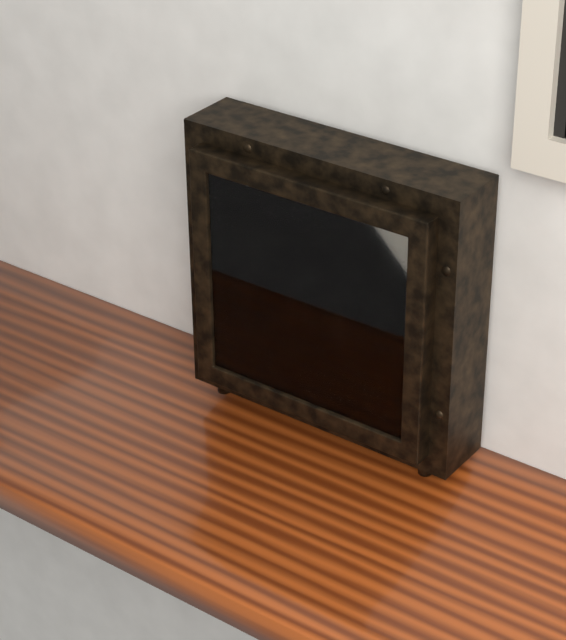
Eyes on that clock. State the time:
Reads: 11:01
